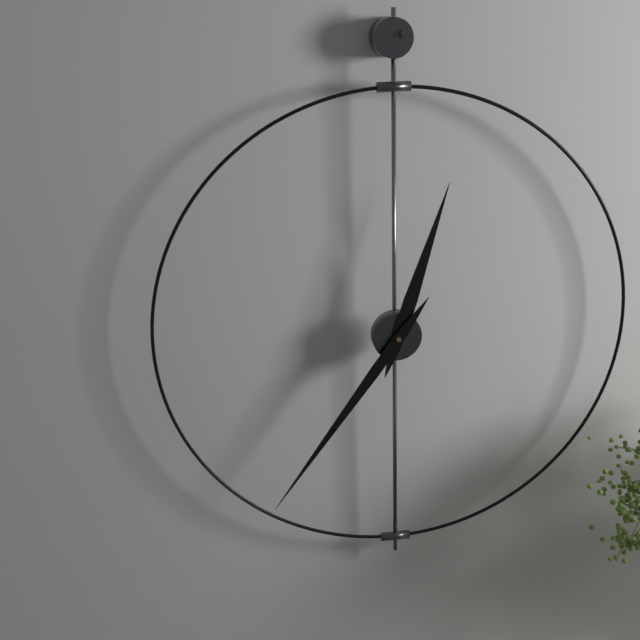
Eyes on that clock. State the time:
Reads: 12:36
